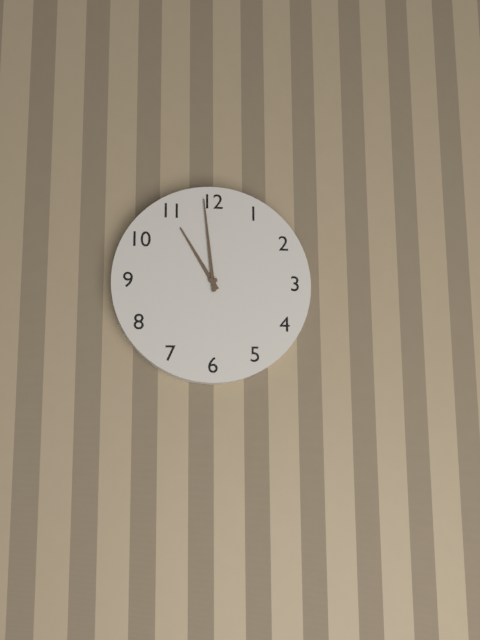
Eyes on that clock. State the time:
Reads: 10:59
